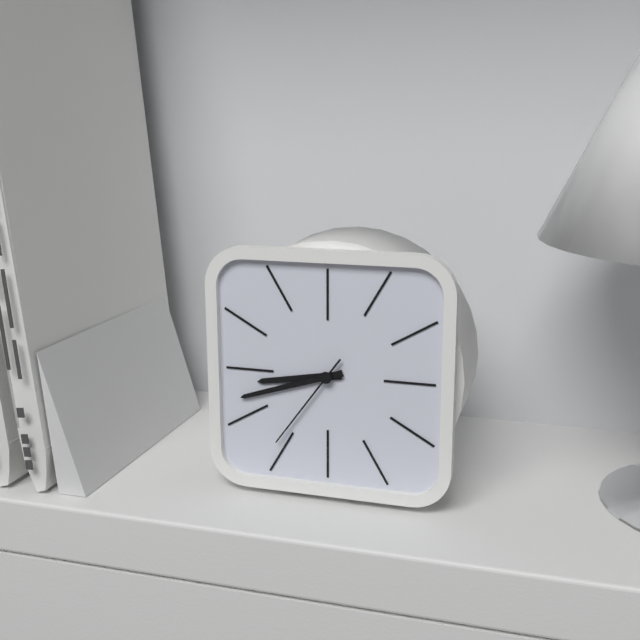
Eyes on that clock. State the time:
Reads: 8:42:36
